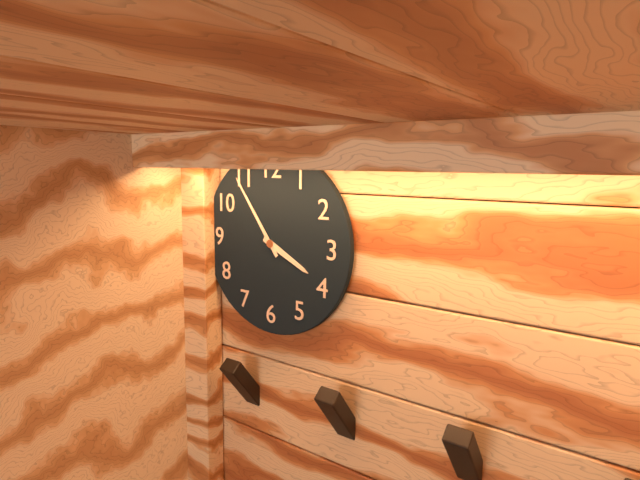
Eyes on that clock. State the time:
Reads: 3:54
